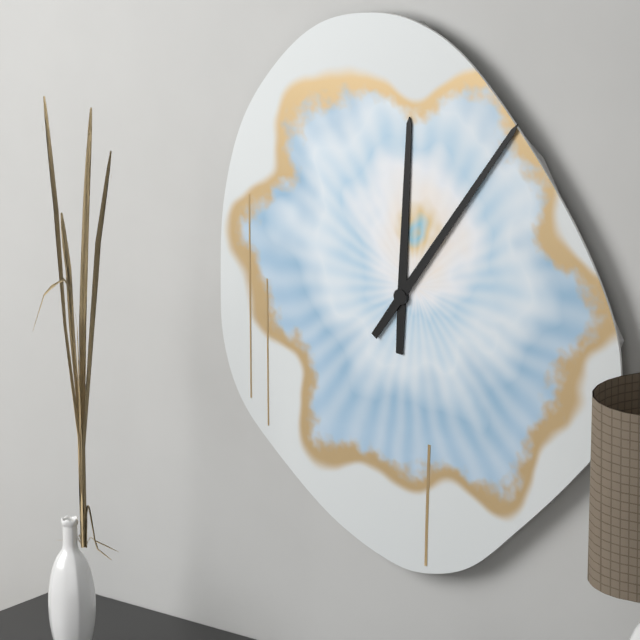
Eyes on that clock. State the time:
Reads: 12:06
